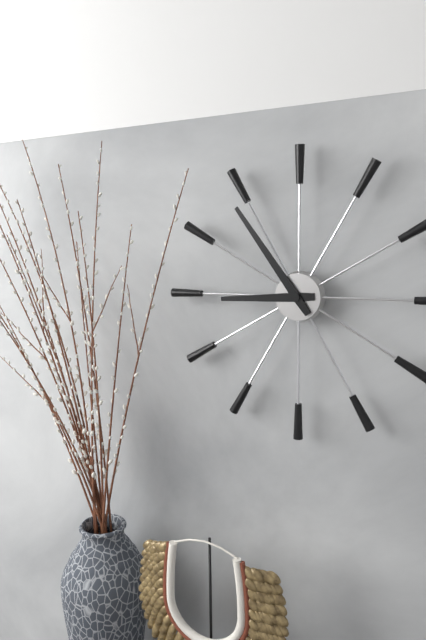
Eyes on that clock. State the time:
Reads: 8:54
